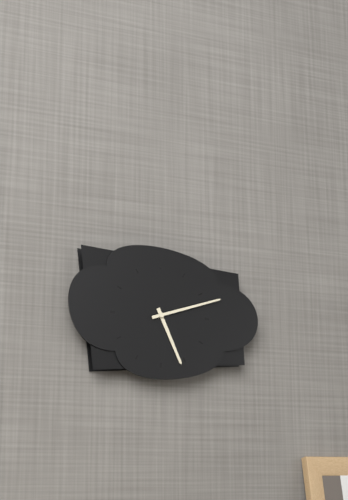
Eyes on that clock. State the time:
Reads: 5:12
